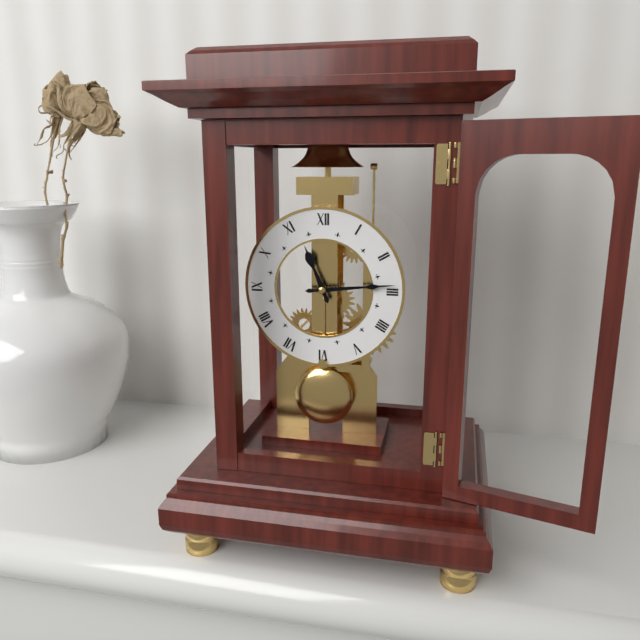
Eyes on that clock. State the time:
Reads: 11:14
